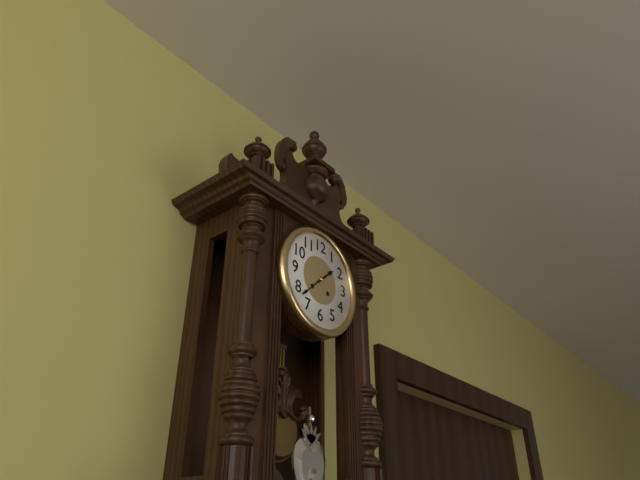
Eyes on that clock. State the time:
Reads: 1:38
